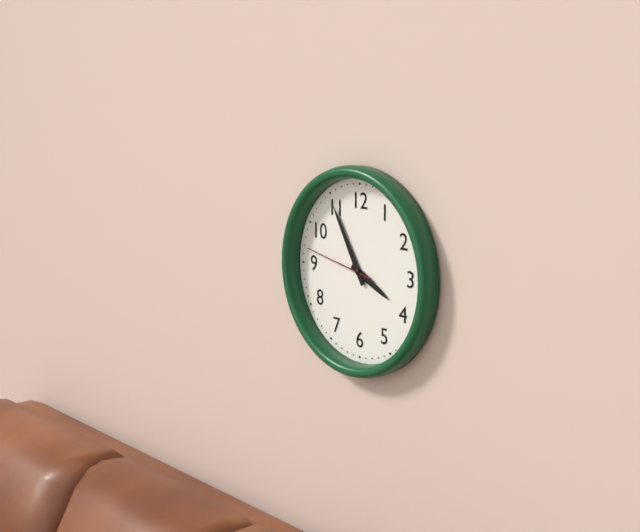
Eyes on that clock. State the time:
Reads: 3:55:47
